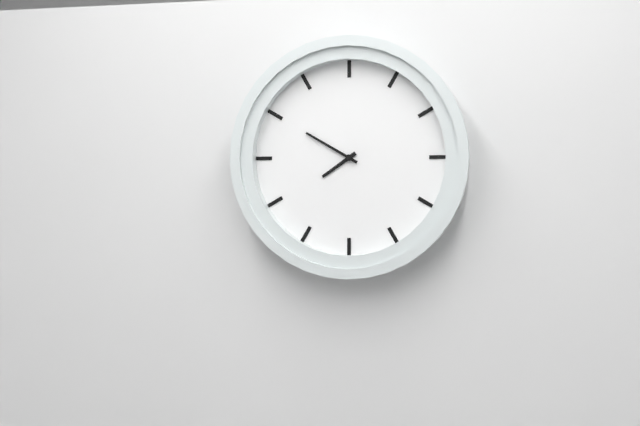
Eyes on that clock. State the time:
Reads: 7:50
